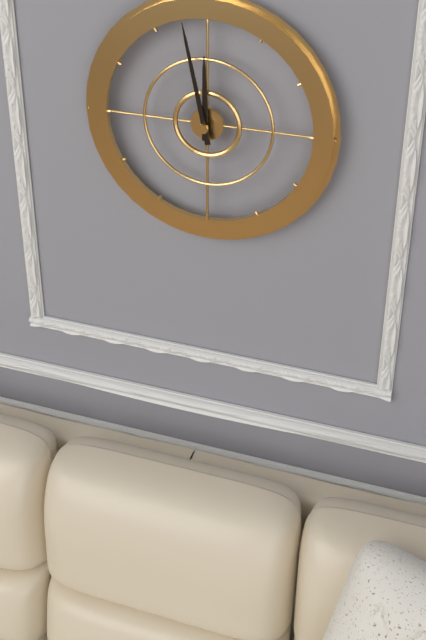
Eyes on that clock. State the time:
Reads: 11:58
